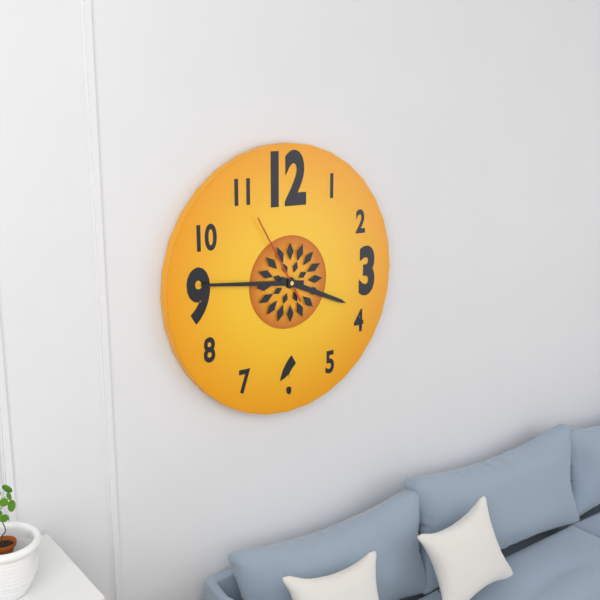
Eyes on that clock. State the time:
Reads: 3:46:55
